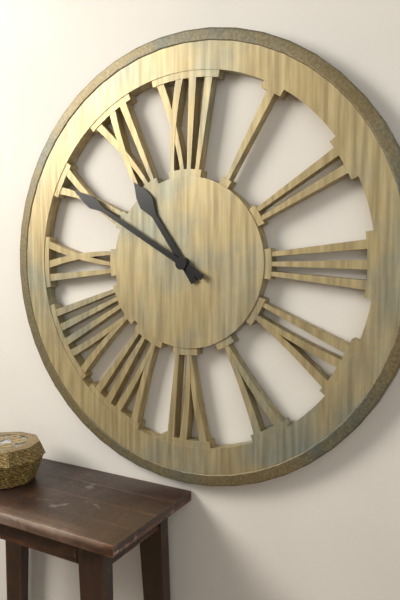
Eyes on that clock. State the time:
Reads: 10:50
